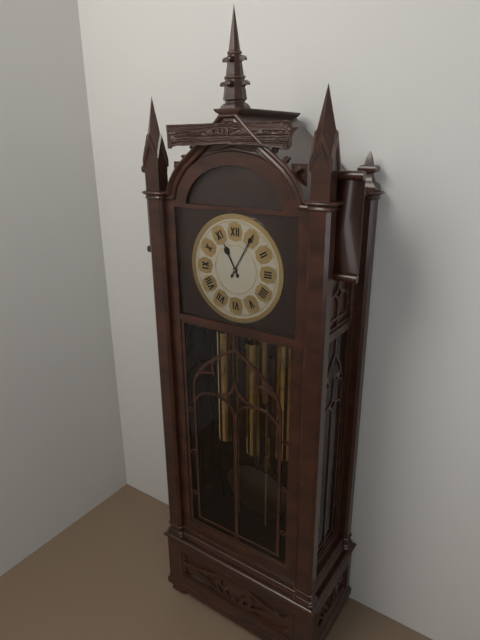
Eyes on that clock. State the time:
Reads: 11:05
